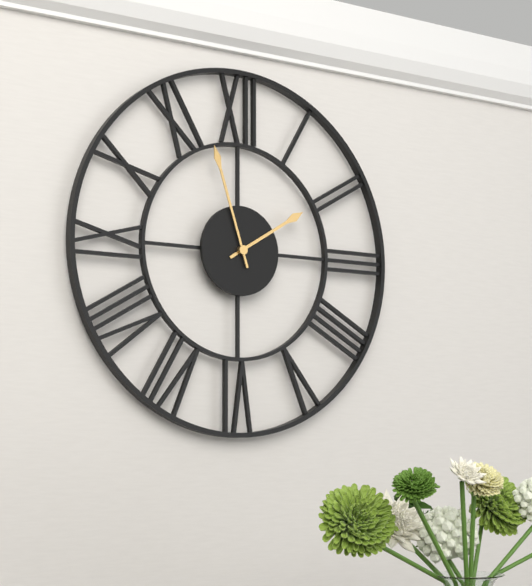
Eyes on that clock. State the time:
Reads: 1:57
